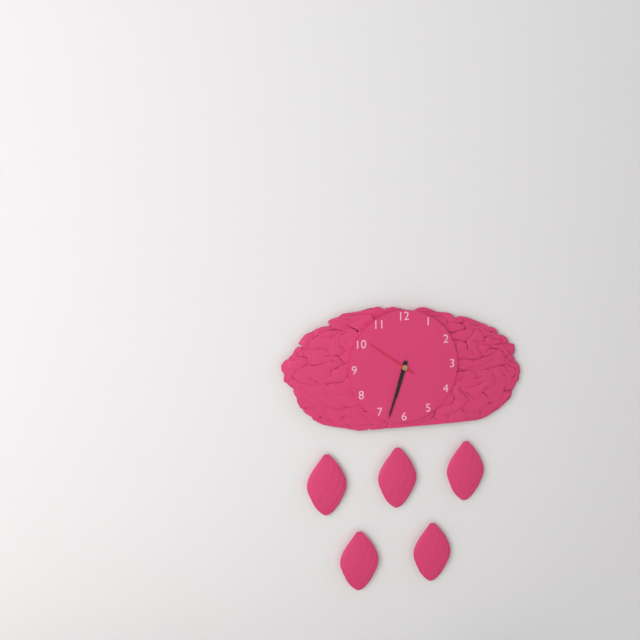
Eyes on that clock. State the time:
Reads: 6:33:51
